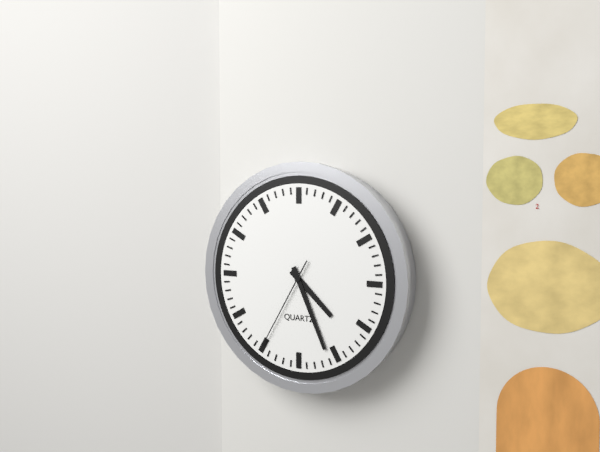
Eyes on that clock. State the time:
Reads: 4:26:35
